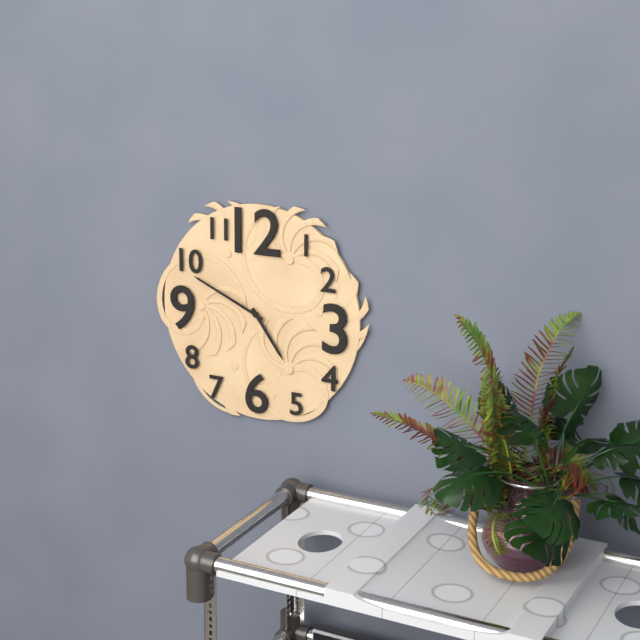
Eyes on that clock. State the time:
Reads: 4:49
